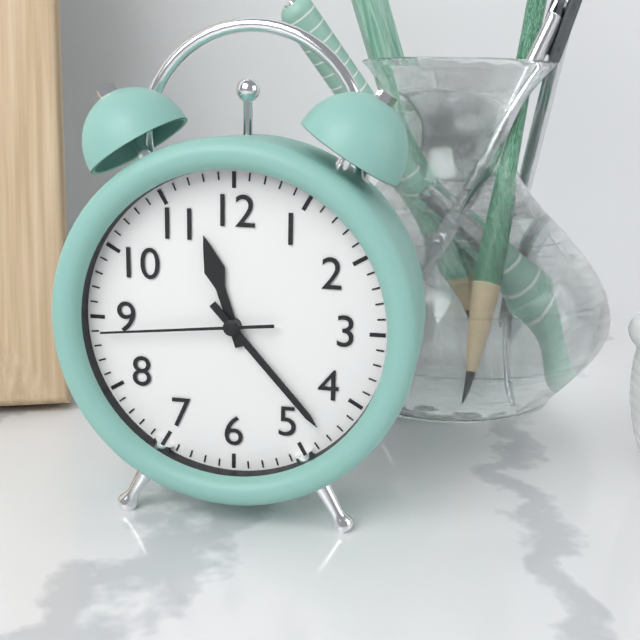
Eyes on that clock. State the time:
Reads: 11:23:44
